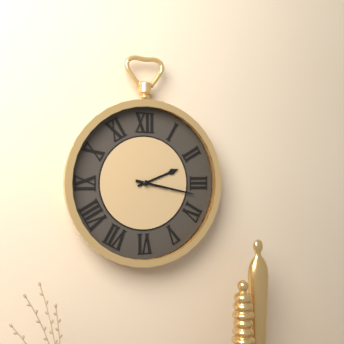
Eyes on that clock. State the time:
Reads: 2:17
